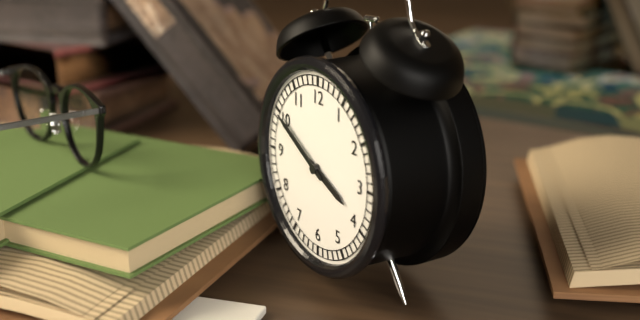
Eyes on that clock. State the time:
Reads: 3:50
